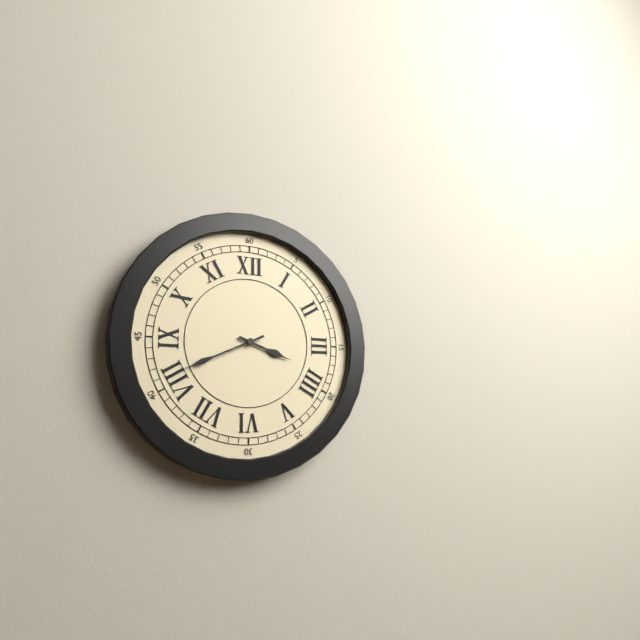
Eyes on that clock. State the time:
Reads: 3:41
